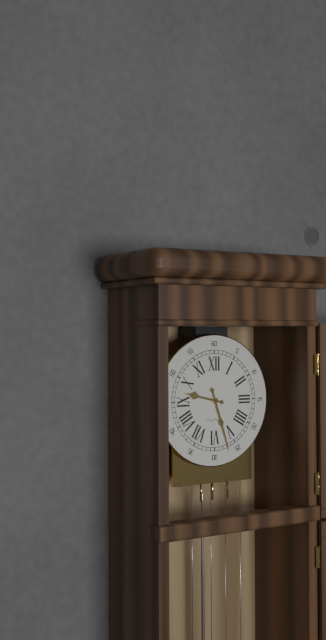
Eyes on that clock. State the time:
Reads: 9:27
